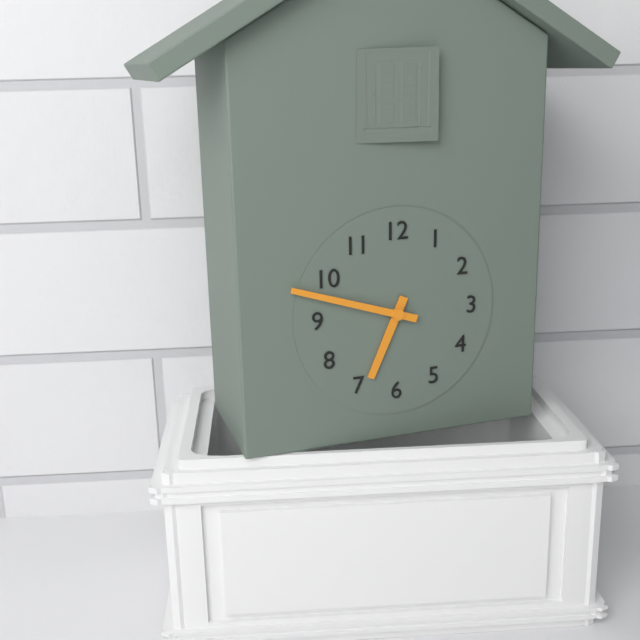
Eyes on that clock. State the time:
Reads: 6:48
